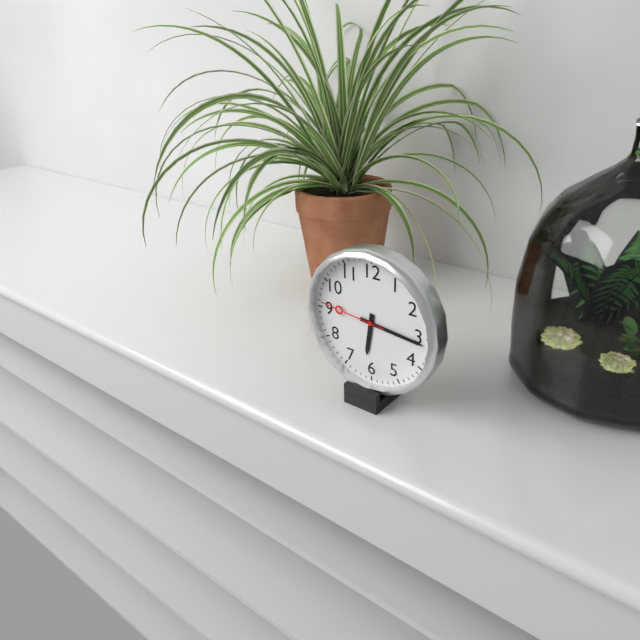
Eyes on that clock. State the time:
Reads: 6:16:46
